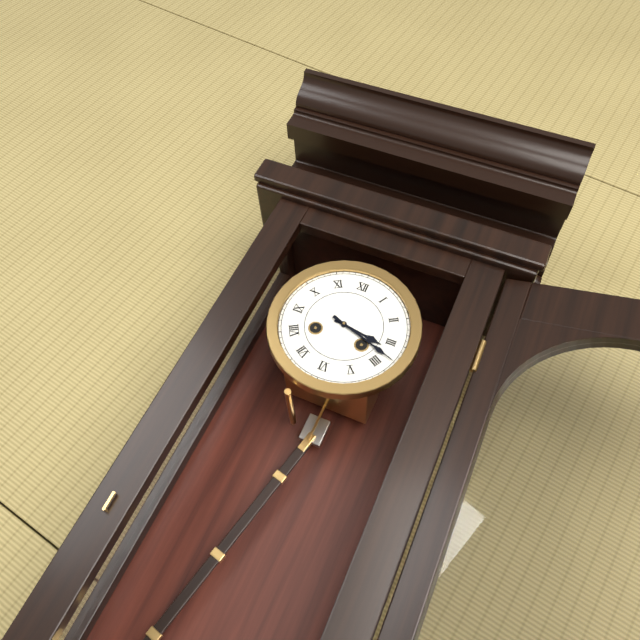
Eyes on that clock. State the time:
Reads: 3:18
